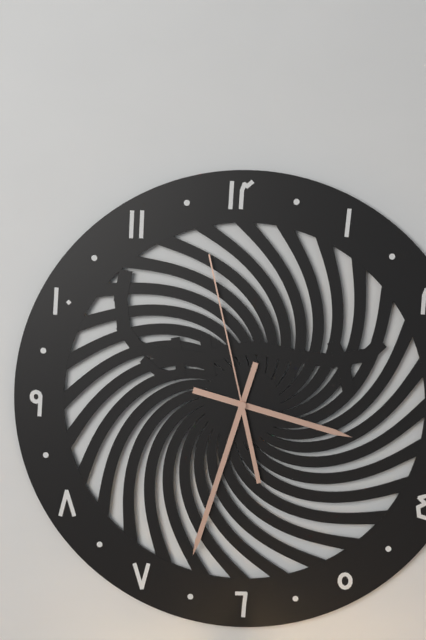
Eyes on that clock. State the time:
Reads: 3:33:58
